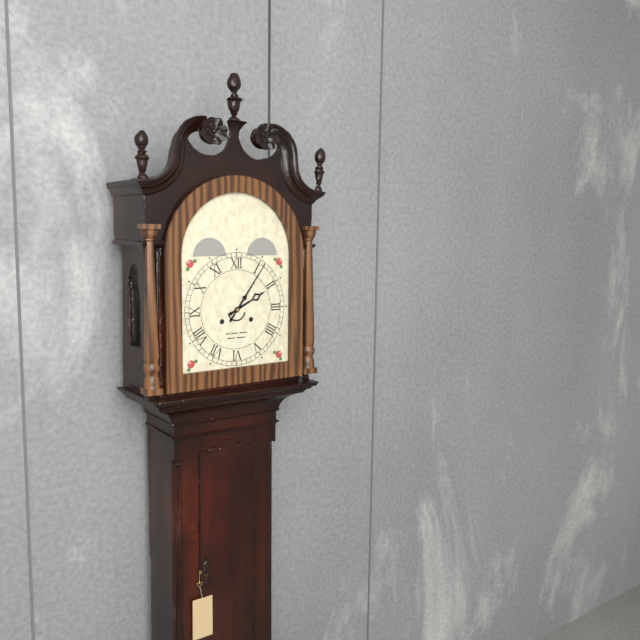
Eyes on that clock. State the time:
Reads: 2:06
